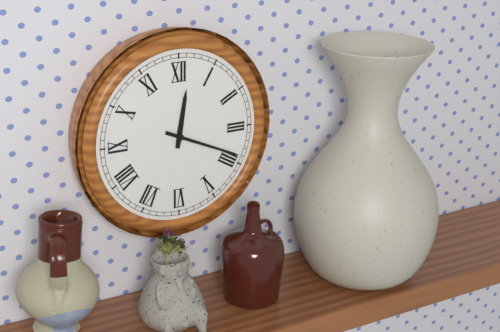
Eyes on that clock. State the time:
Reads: 12:19
